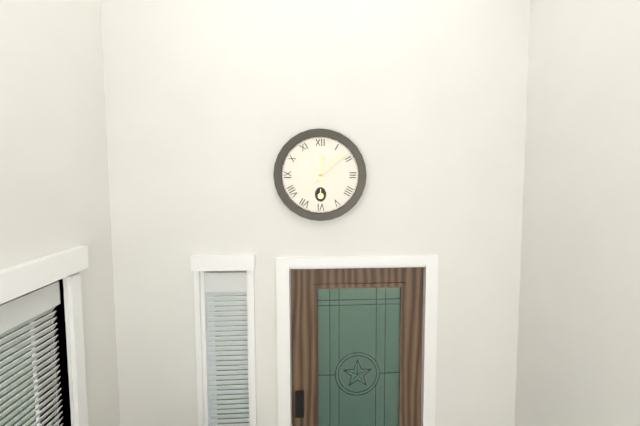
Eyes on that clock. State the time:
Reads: 12:08
